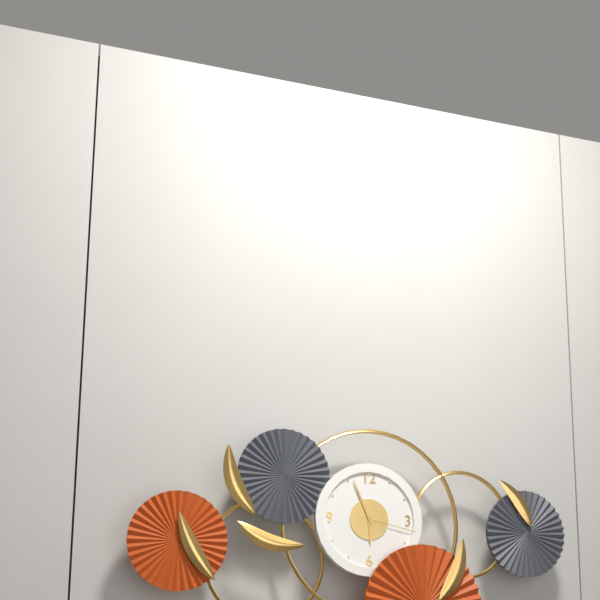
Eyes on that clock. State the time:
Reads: 5:56:17
